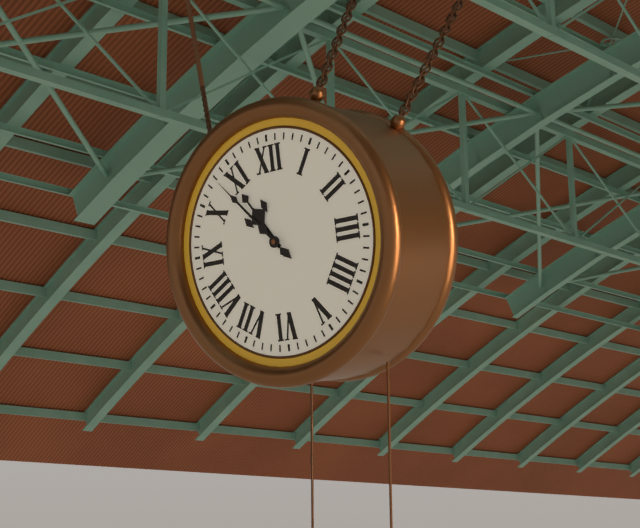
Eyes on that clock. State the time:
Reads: 10:53
